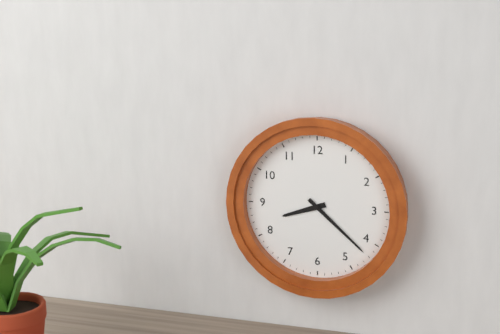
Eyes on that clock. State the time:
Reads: 8:22
